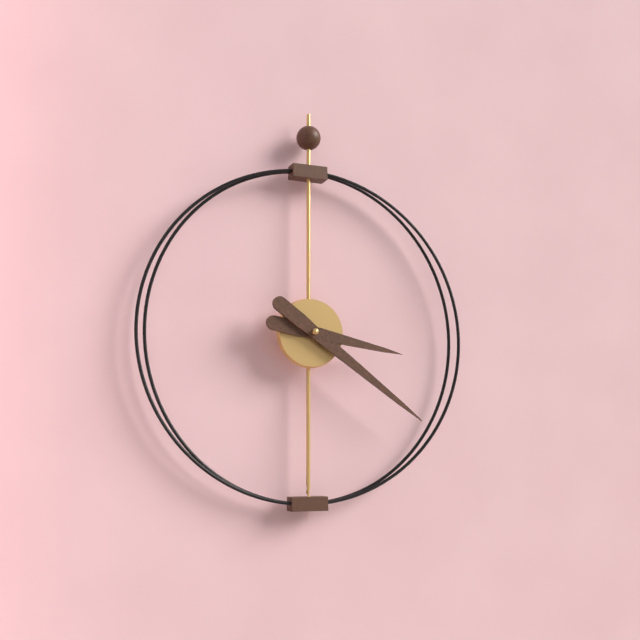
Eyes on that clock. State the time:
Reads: 3:21
